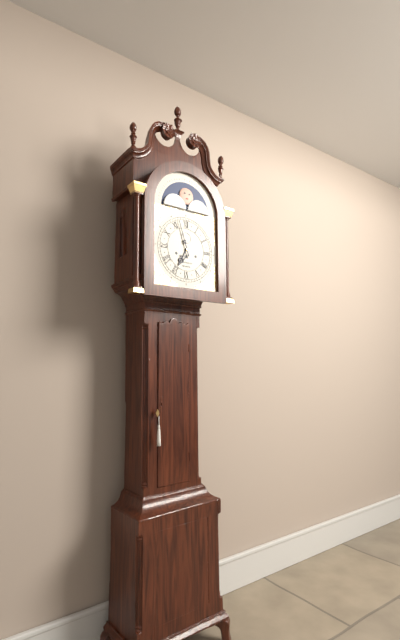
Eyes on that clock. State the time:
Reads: 6:57
